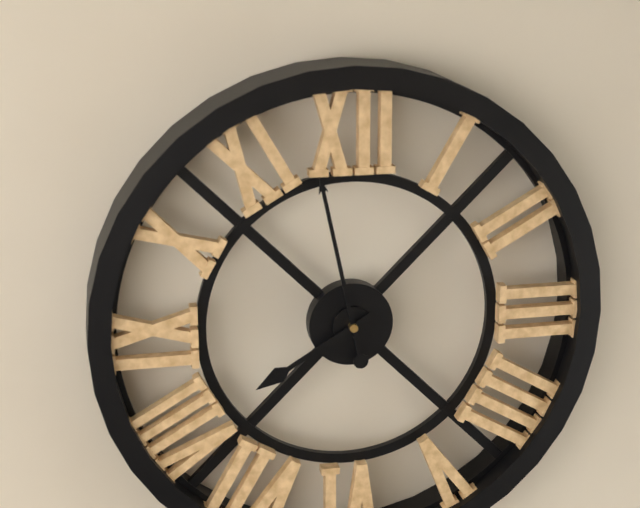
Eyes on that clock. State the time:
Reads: 7:58
